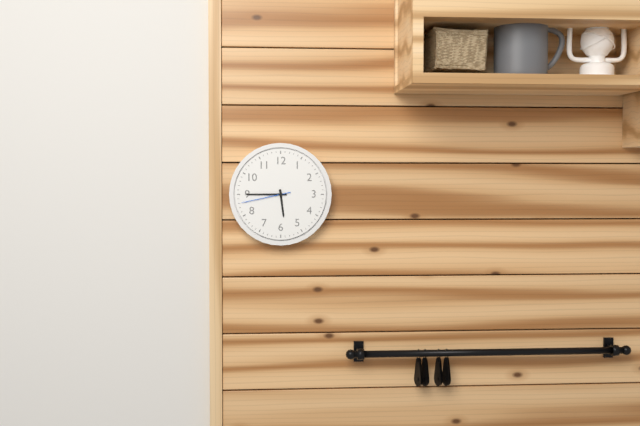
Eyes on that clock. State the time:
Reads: 5:45:43
